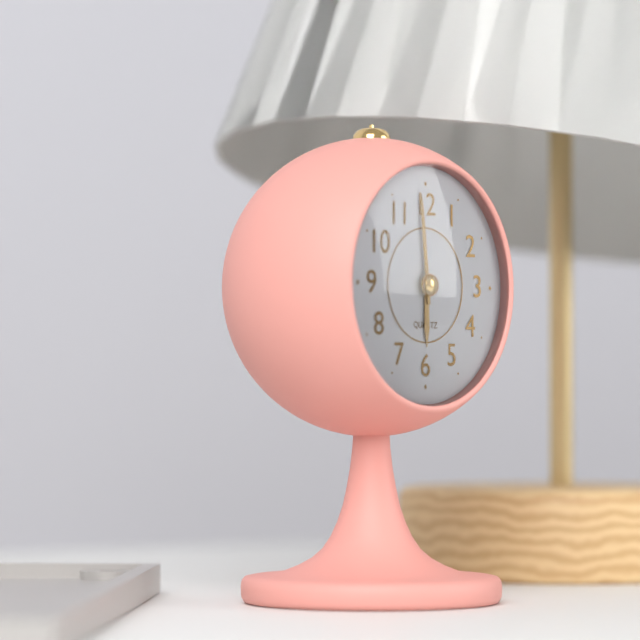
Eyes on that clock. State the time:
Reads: 5:59
